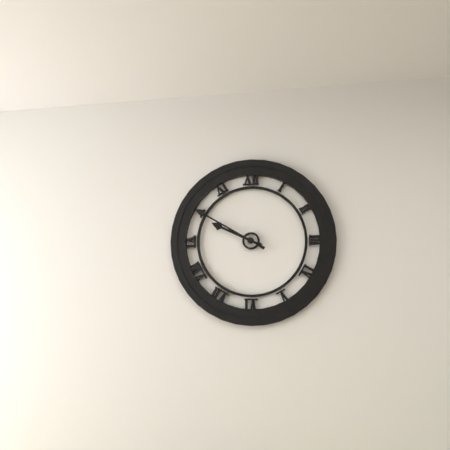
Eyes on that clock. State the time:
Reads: 9:50
